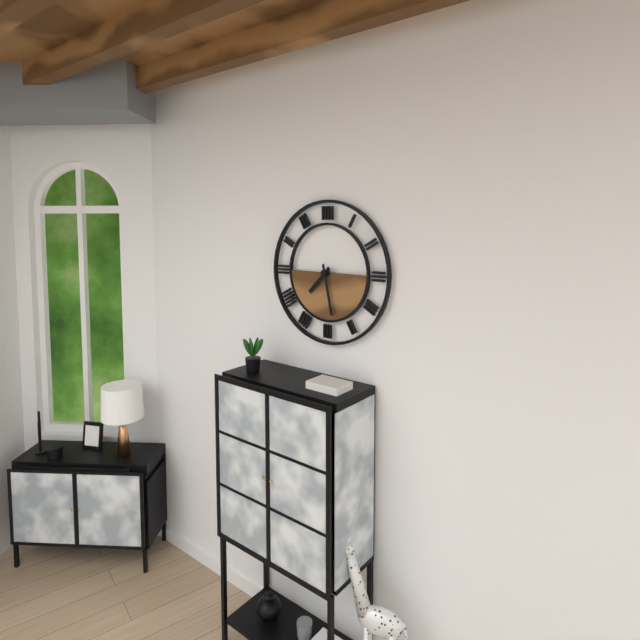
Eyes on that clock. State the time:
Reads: 7:28
